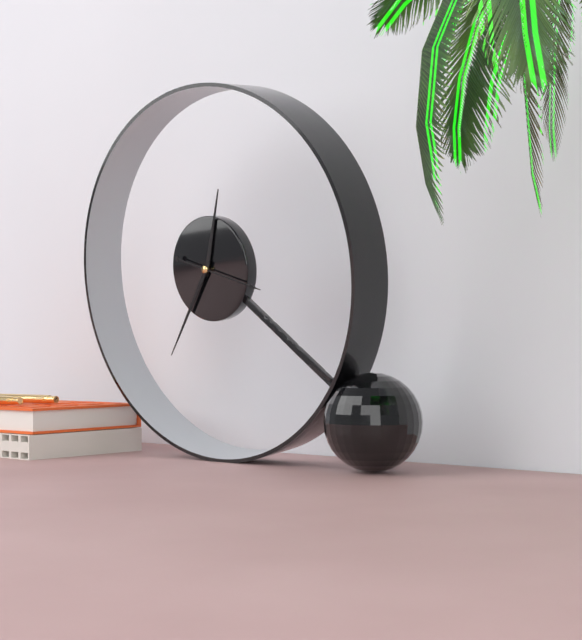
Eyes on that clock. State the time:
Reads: 12:36:18
